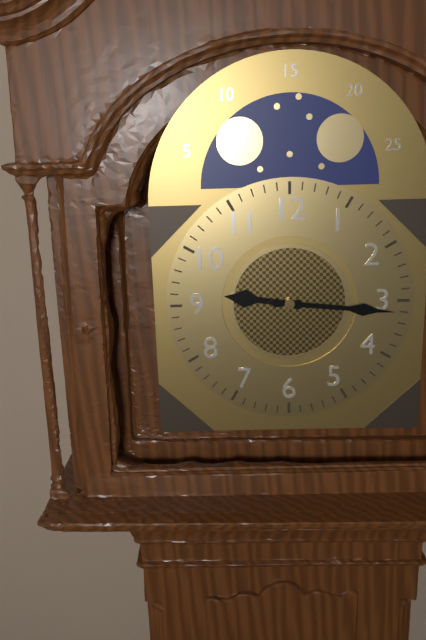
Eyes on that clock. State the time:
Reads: 9:16
